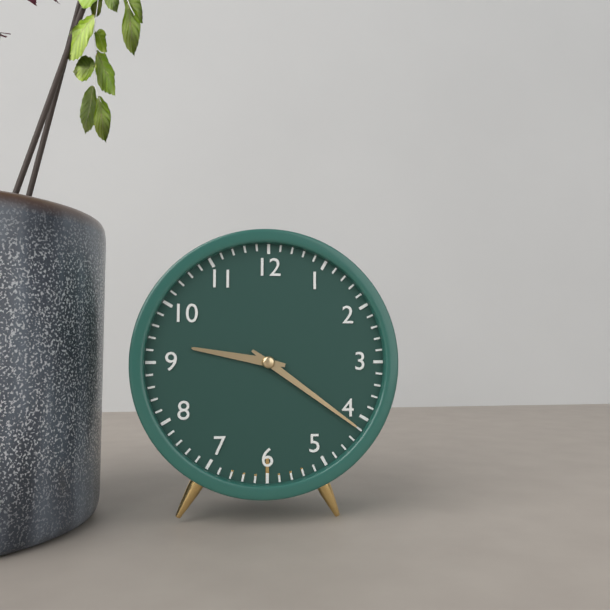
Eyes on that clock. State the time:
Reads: 9:21
